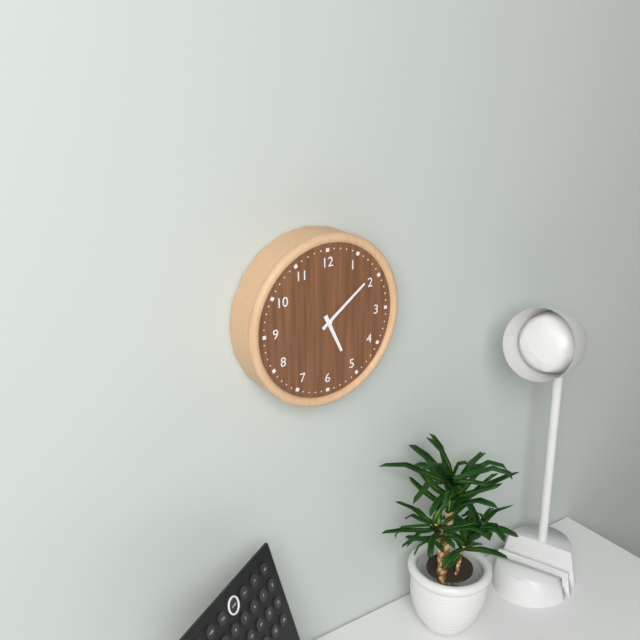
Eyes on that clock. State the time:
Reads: 5:09
